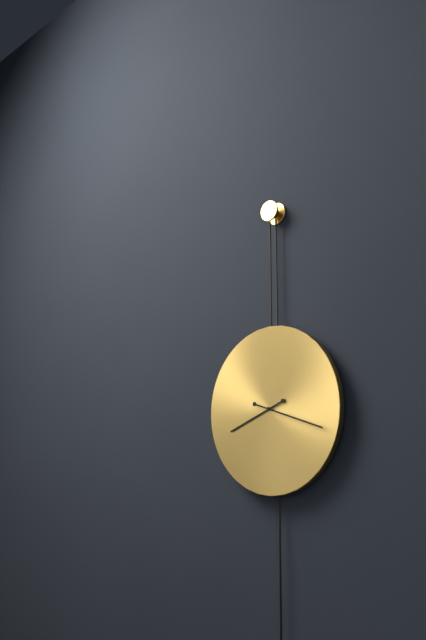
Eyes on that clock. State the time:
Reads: 8:18
